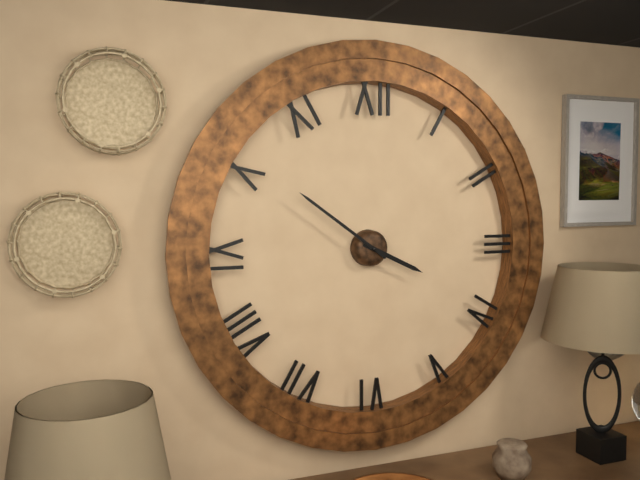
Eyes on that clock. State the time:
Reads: 3:51
